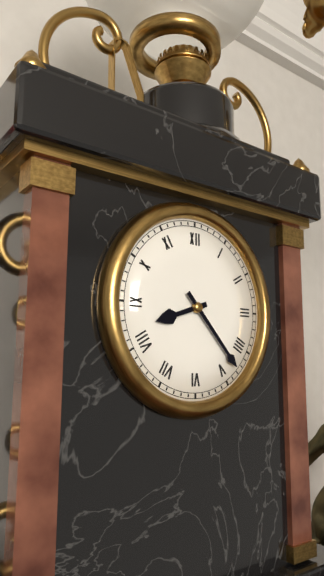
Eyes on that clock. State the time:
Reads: 8:23
